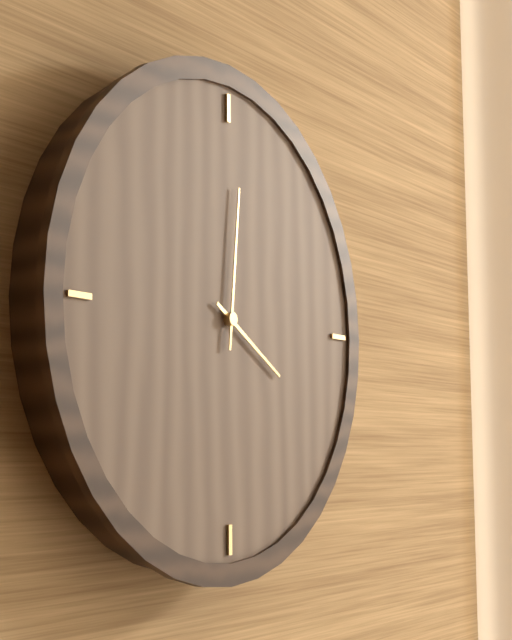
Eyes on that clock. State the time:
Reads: 4:01
